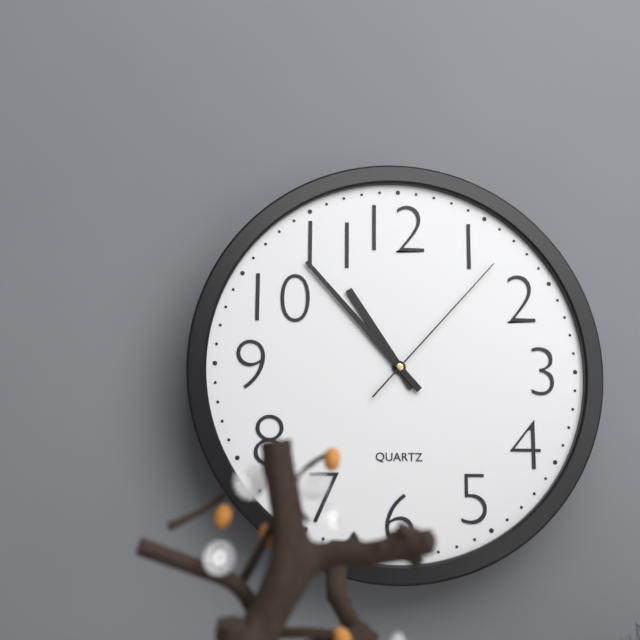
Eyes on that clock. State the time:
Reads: 10:53:07
